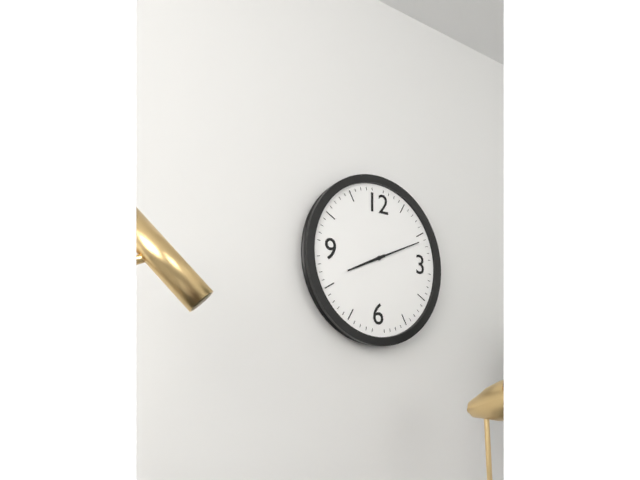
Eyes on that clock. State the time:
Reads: 8:11
